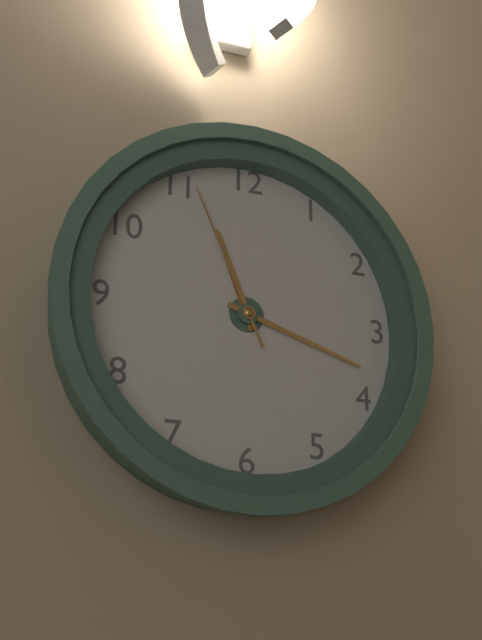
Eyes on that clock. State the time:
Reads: 11:18:56
